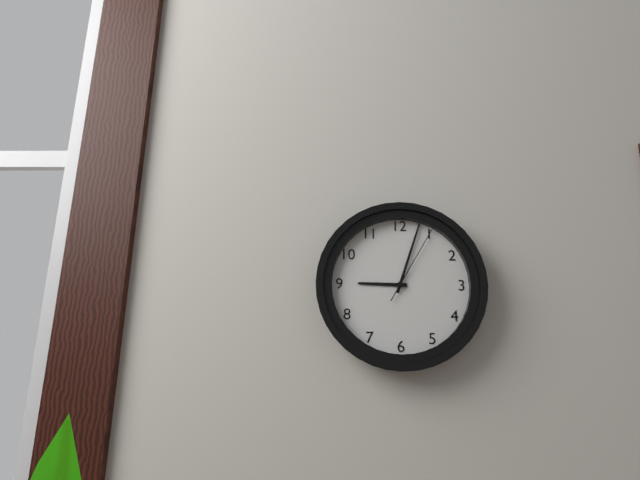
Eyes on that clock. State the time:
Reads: 9:03:05
